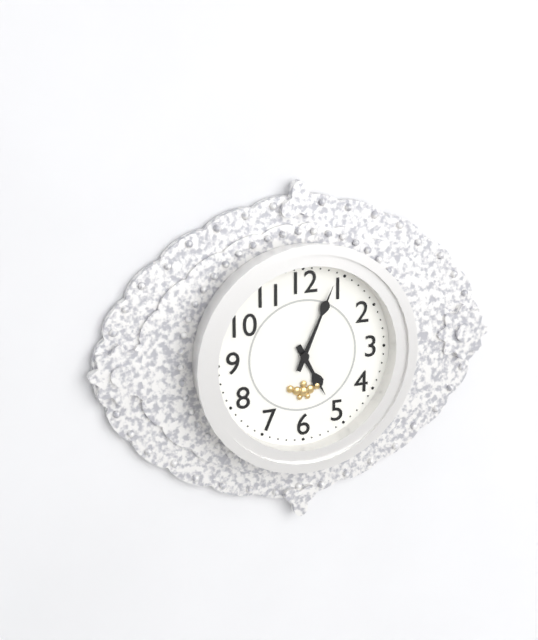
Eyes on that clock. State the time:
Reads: 5:04
